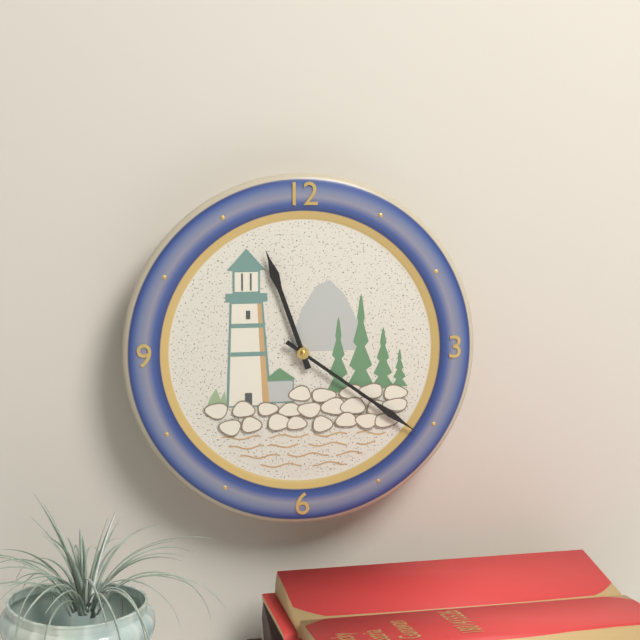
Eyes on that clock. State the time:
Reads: 11:21
